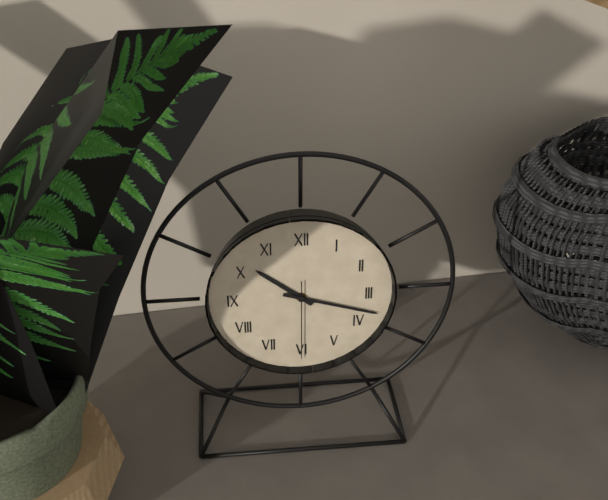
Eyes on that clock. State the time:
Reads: 10:18:30
